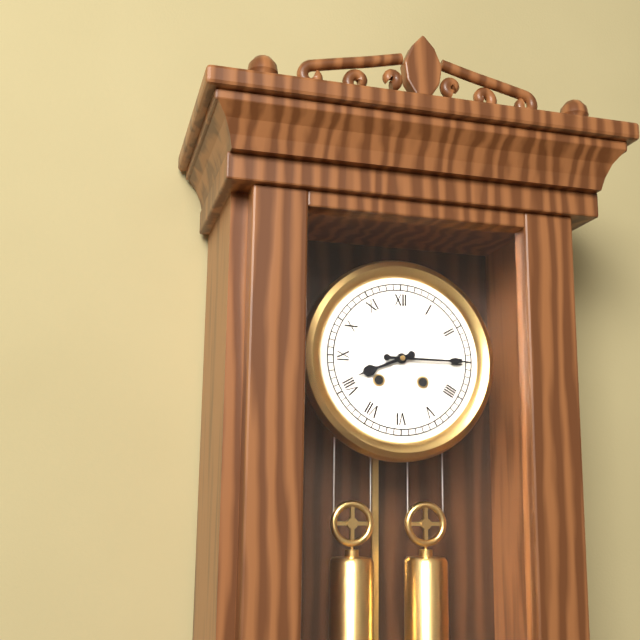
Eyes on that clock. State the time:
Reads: 8:15
